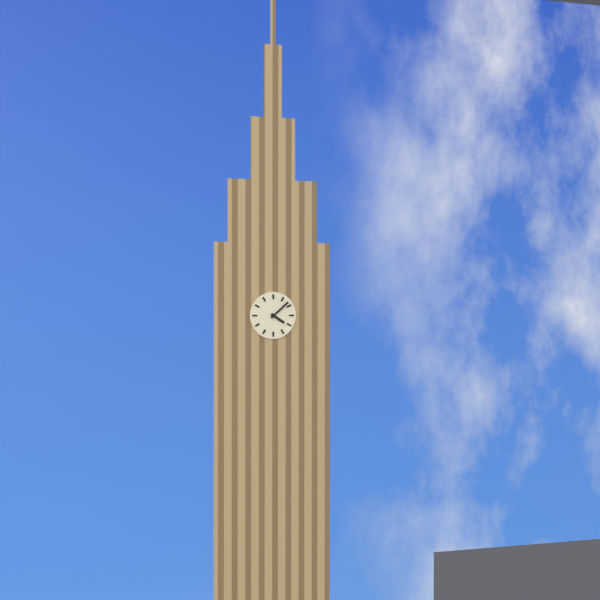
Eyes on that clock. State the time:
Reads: 4:08
